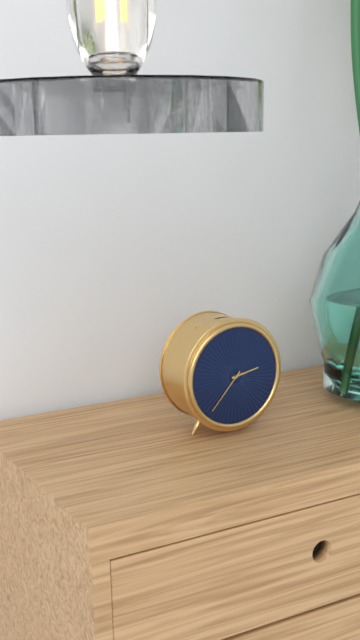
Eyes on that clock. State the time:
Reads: 2:37
